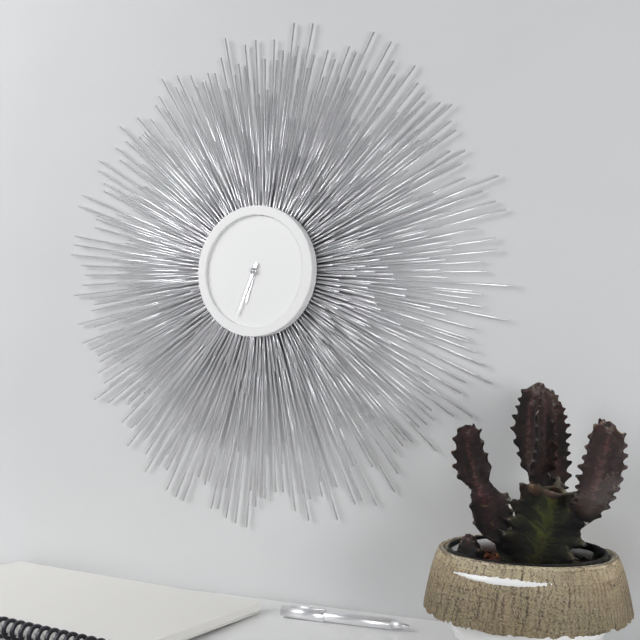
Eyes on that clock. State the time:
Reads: 6:34
